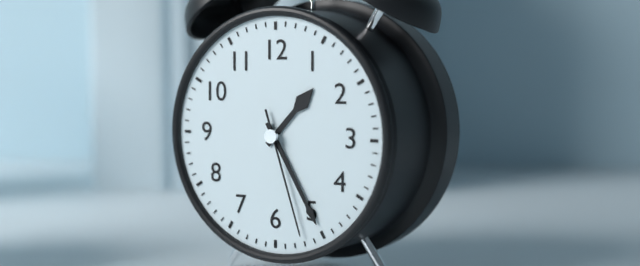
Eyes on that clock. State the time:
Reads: 1:25:27
